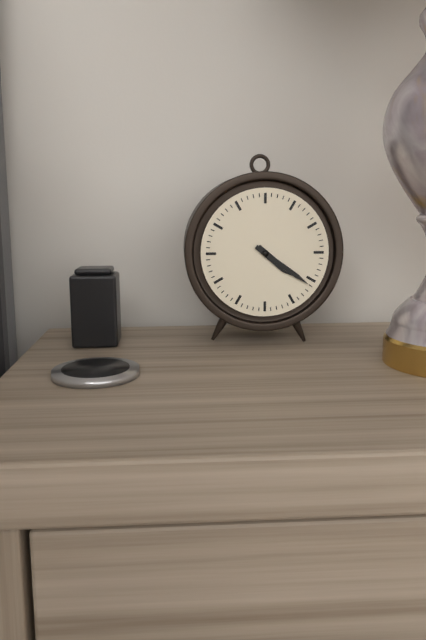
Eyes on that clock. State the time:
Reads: 4:21
